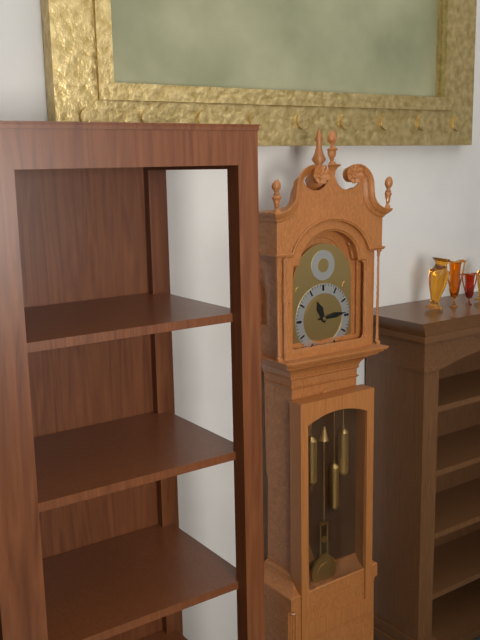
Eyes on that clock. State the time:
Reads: 11:14
